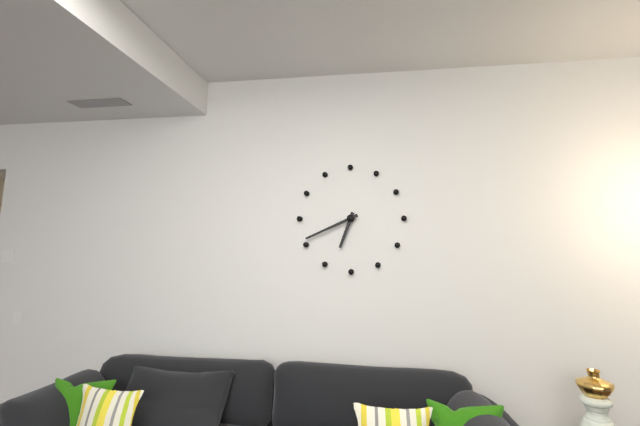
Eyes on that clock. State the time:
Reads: 6:41
